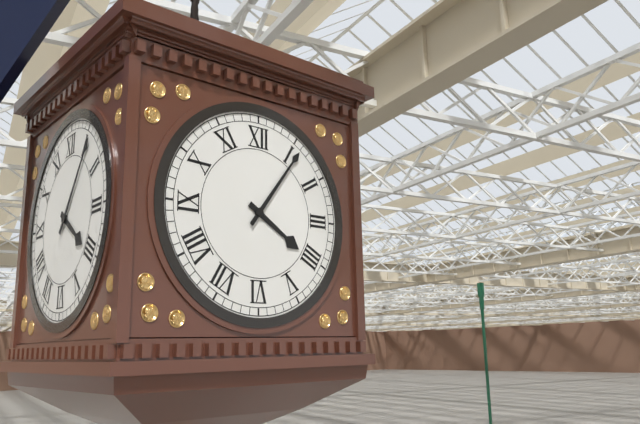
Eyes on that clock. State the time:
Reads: 4:06
